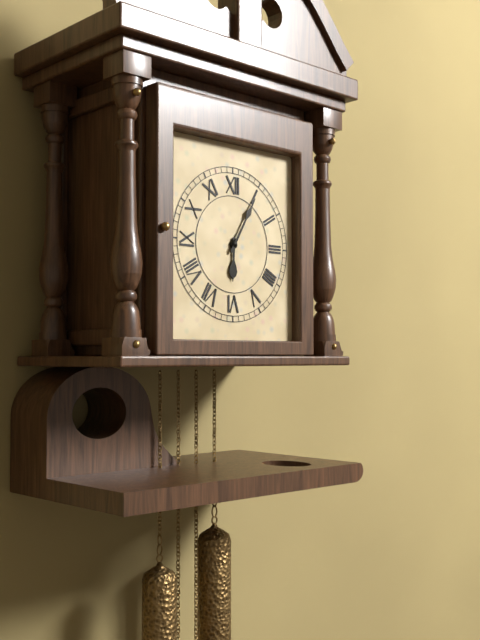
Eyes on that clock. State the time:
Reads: 6:05
